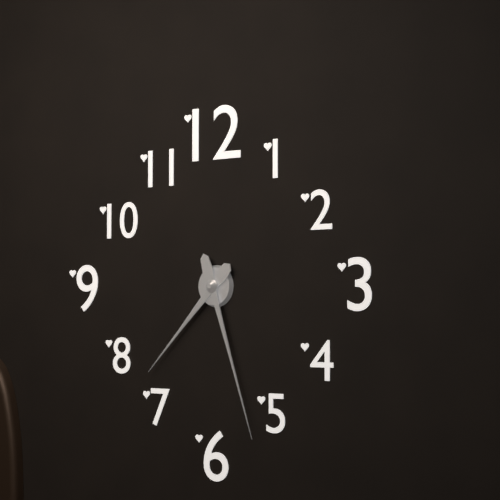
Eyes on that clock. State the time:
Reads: 7:27
